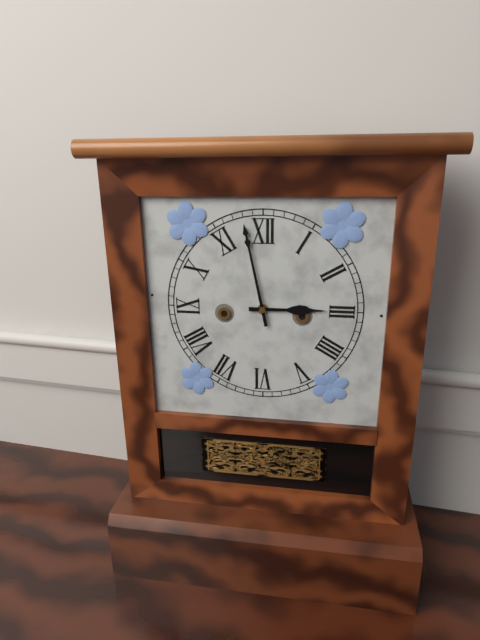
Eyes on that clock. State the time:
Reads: 2:58
